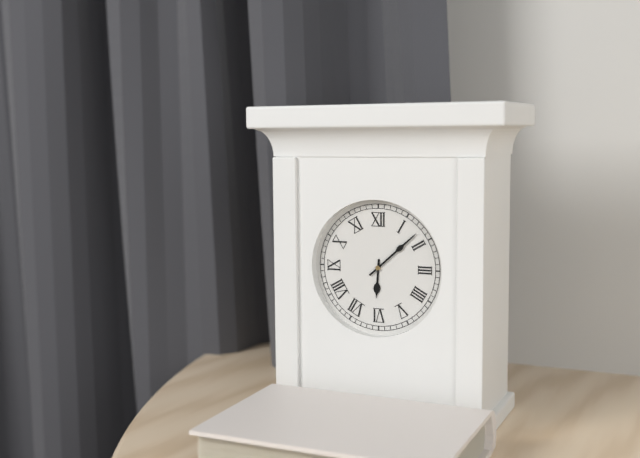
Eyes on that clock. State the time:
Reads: 6:08
